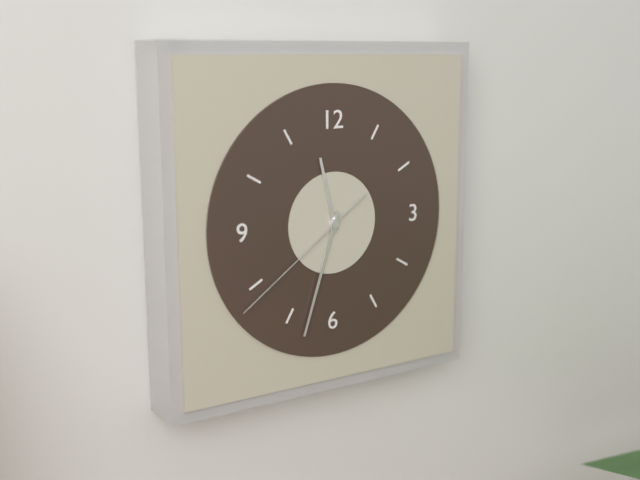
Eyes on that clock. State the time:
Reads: 11:33:39
